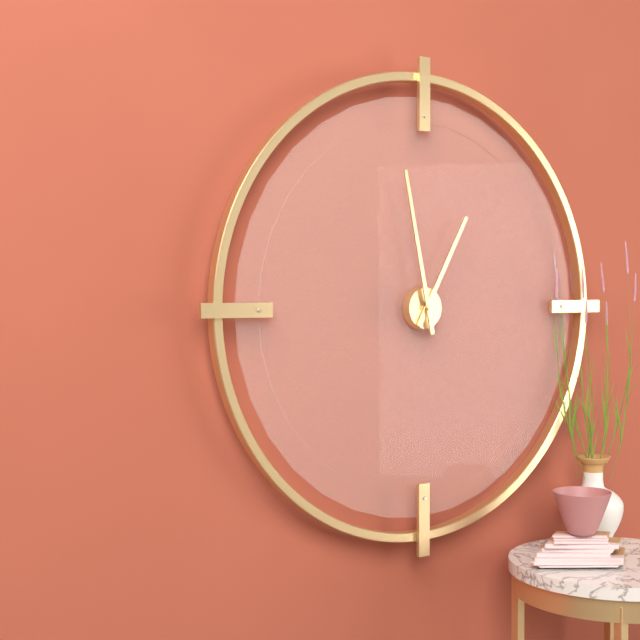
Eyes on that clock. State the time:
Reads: 12:58
